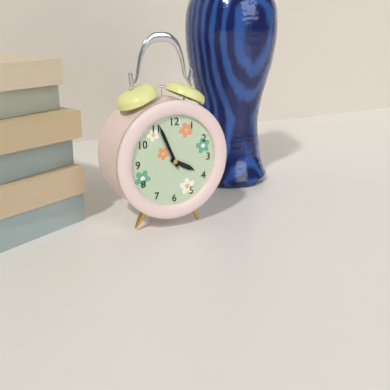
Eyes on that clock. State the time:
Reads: 3:56
